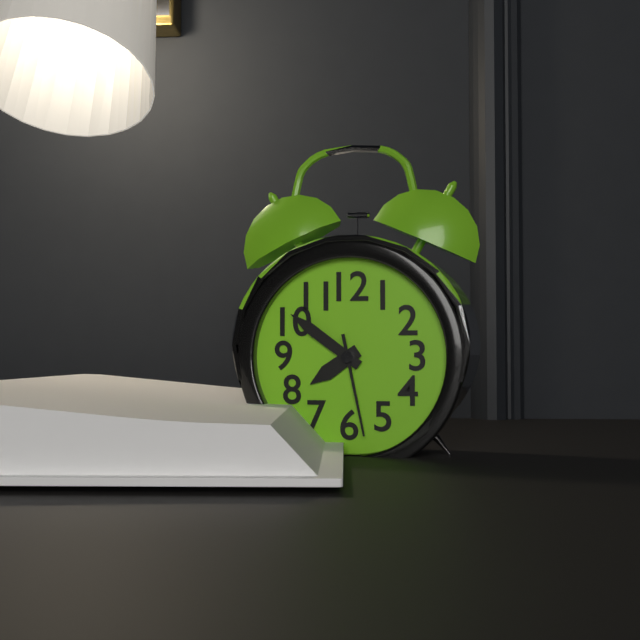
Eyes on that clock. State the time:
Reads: 7:51:28
